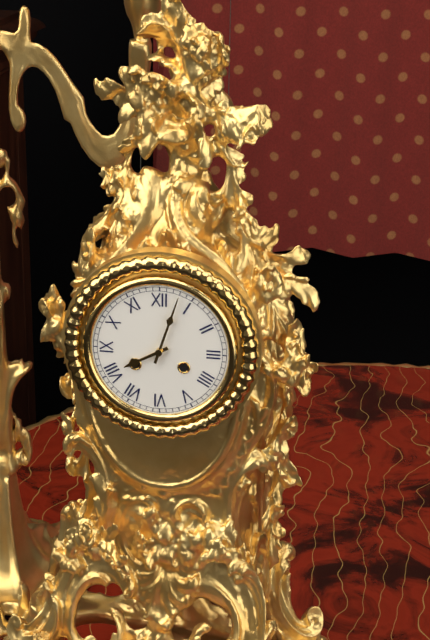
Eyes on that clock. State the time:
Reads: 8:03
